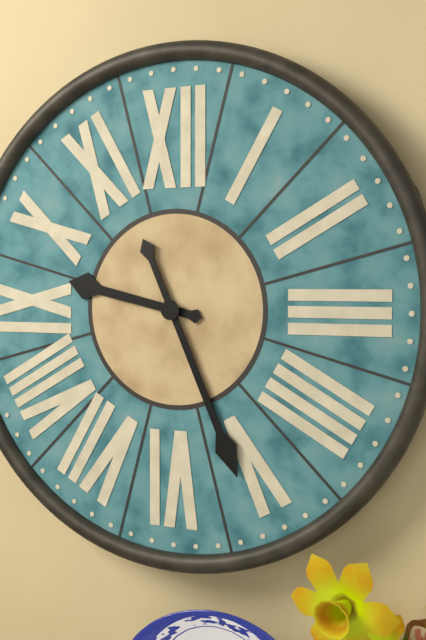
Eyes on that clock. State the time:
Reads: 9:26
